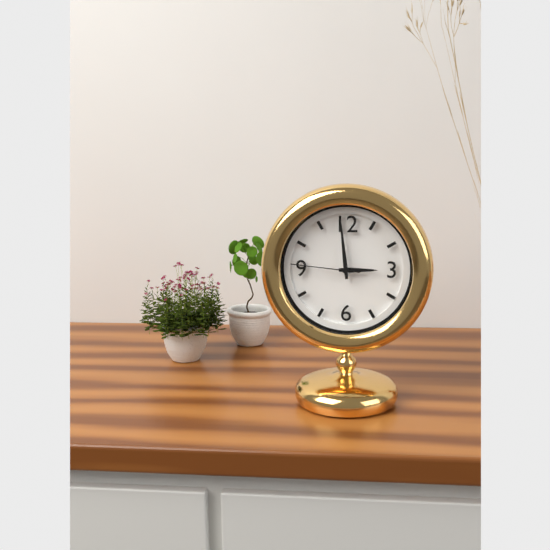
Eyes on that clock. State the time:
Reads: 2:59:46
